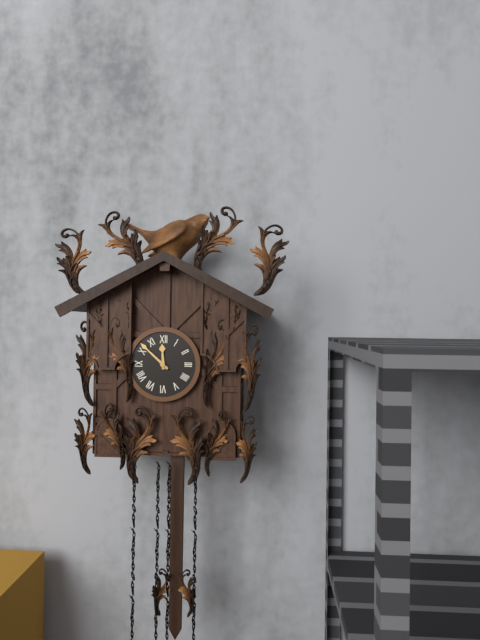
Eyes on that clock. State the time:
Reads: 11:52
